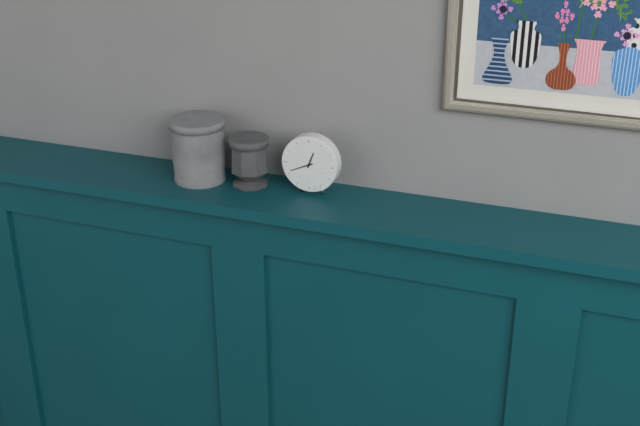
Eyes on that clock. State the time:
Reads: 12:41
